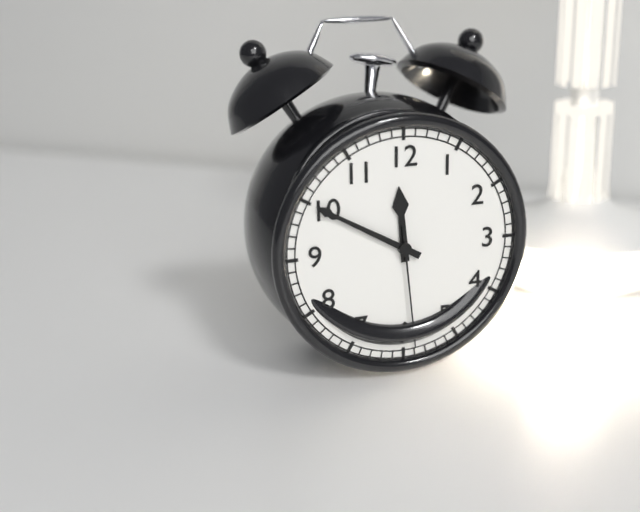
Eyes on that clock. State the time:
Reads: 11:50:29
